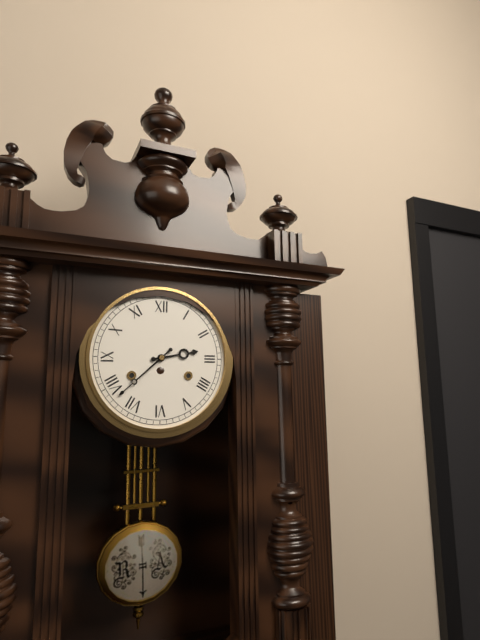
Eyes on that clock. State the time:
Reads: 2:38
